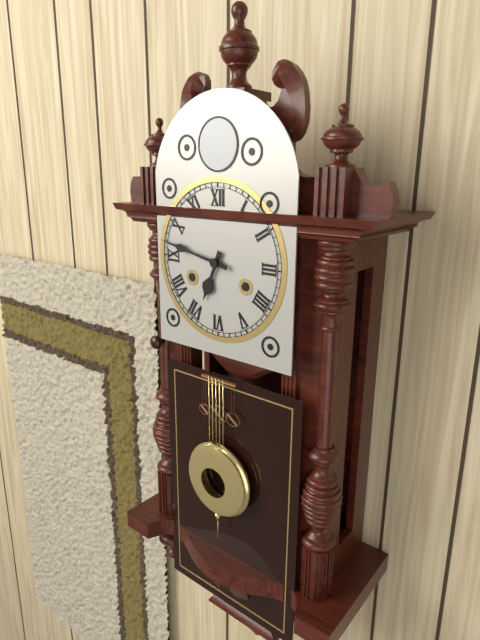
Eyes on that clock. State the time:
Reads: 6:47
